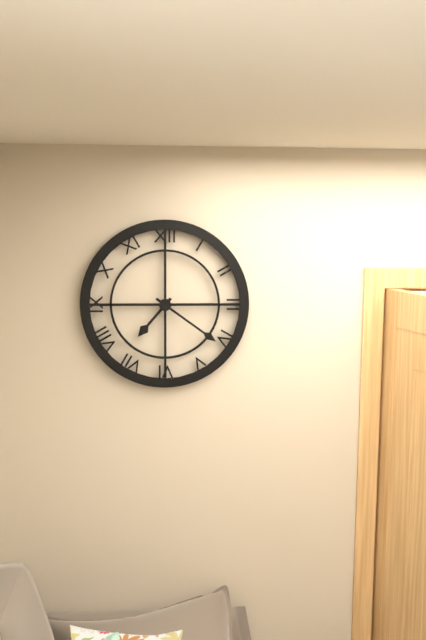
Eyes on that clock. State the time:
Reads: 7:21
